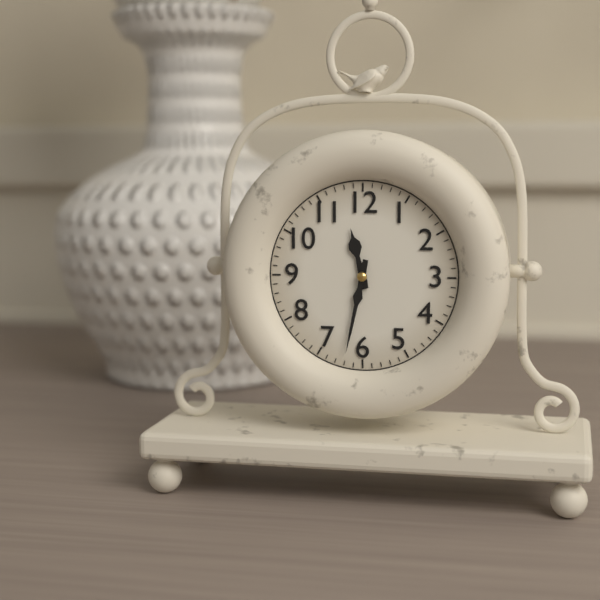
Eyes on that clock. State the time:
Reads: 11:32
